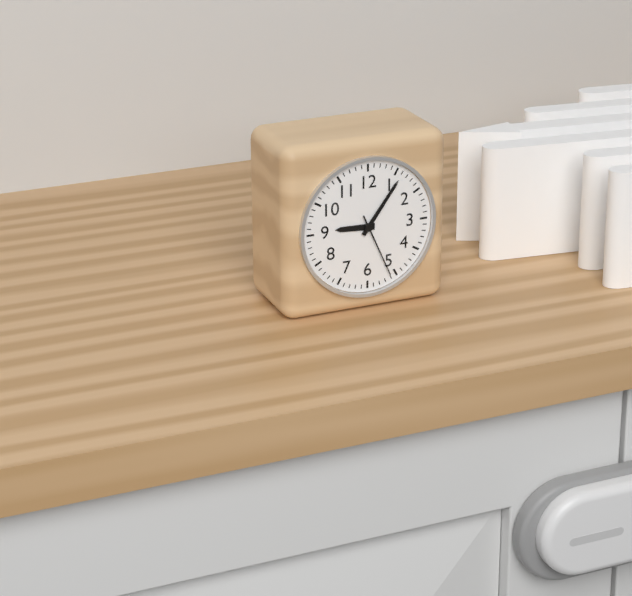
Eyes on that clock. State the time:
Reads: 9:06:26
